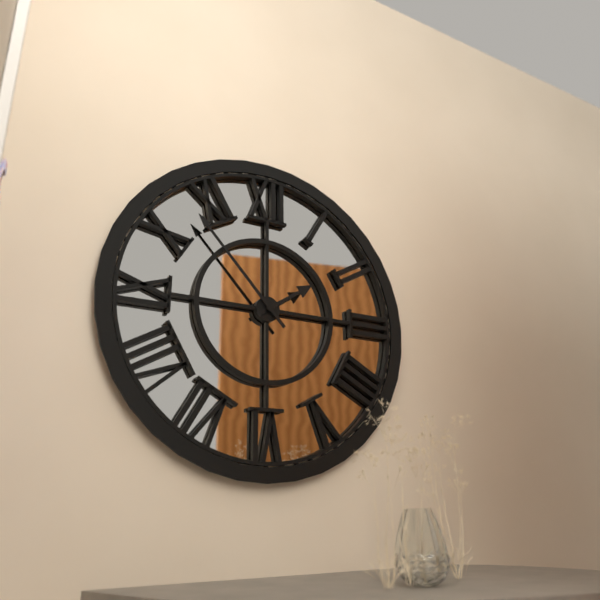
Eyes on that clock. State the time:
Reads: 1:53
